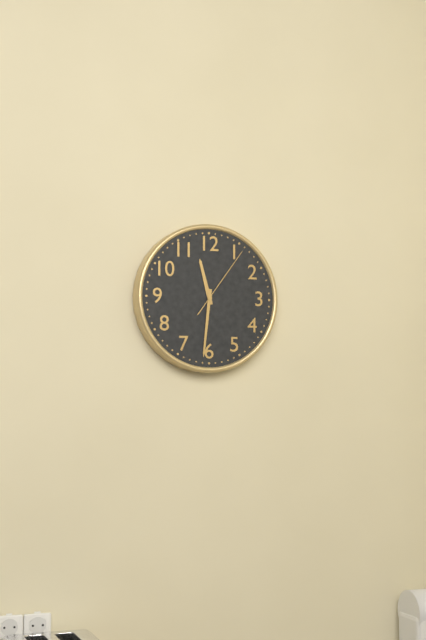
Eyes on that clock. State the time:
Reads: 11:31:06
